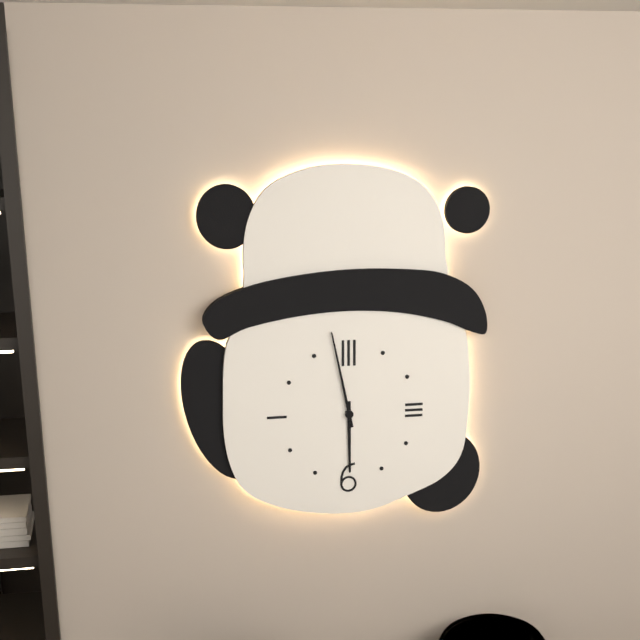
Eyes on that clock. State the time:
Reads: 5:58
